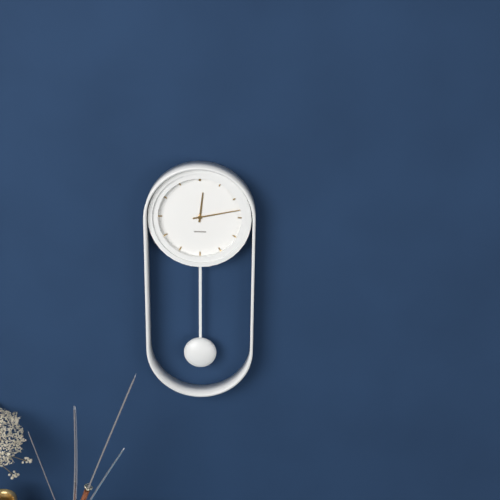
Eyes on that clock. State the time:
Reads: 12:13
